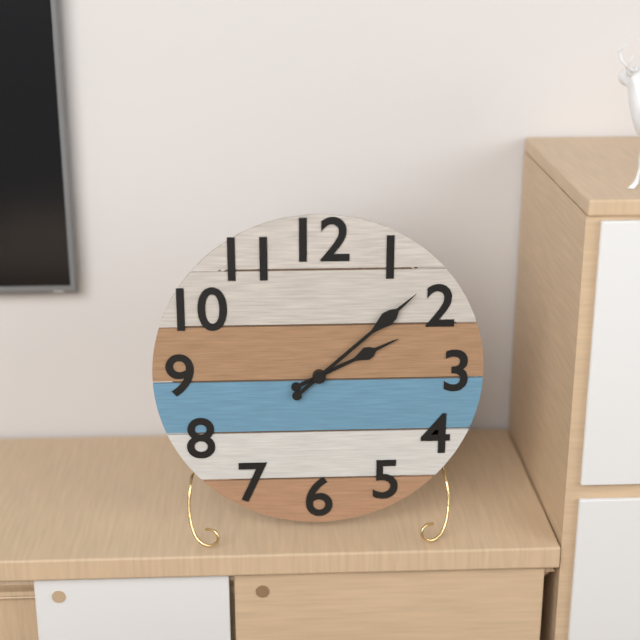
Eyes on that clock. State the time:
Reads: 2:08
